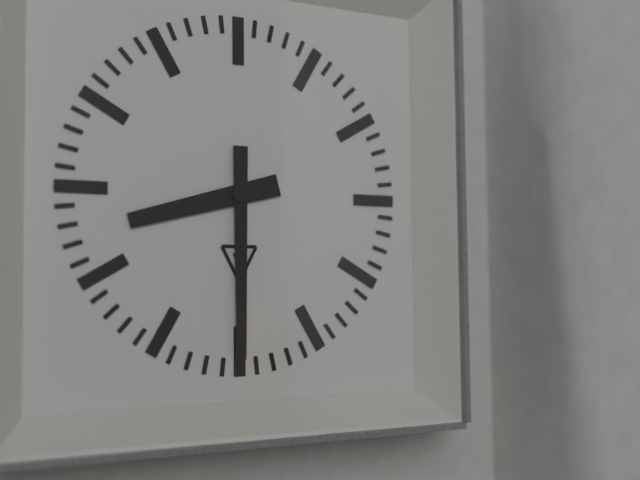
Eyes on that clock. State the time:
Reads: 8:30
